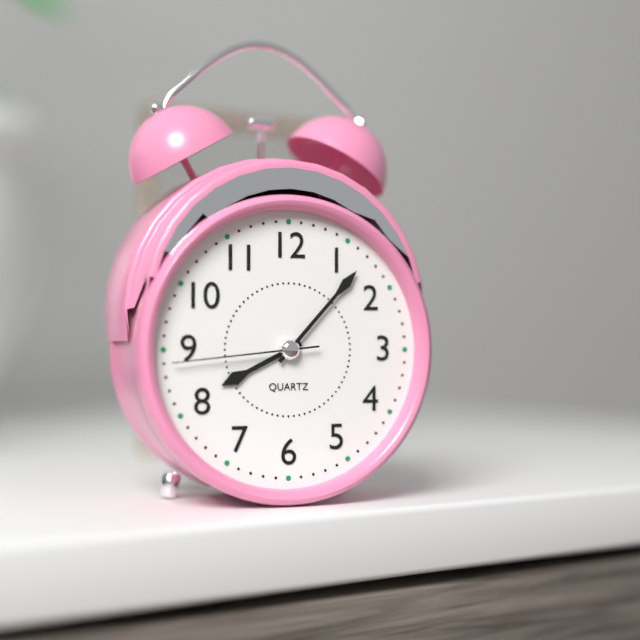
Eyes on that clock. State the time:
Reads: 8:07:44
